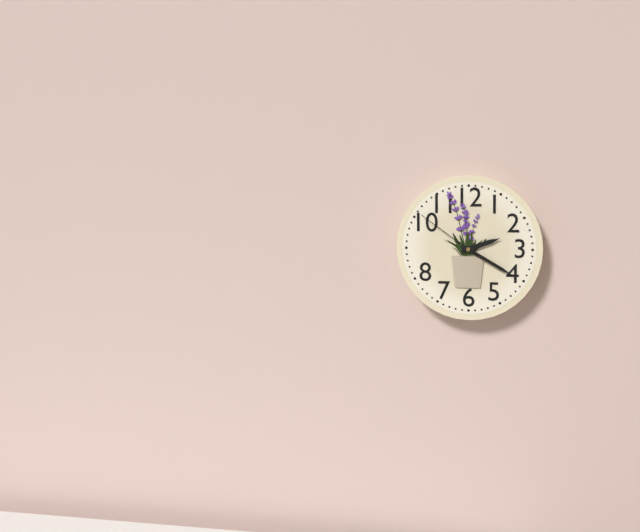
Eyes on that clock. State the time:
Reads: 2:20:51
